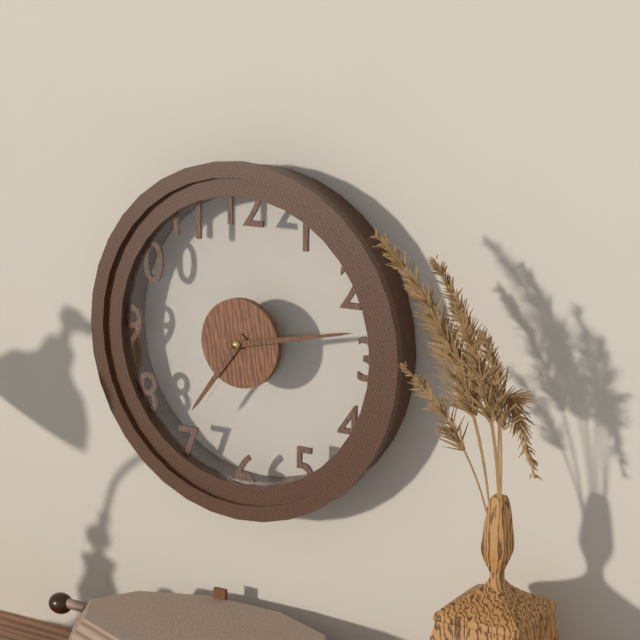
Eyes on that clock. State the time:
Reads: 7:13
